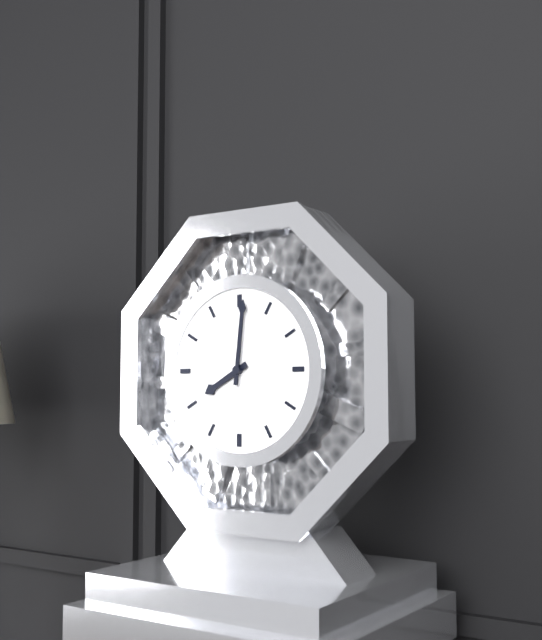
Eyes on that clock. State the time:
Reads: 8:01
